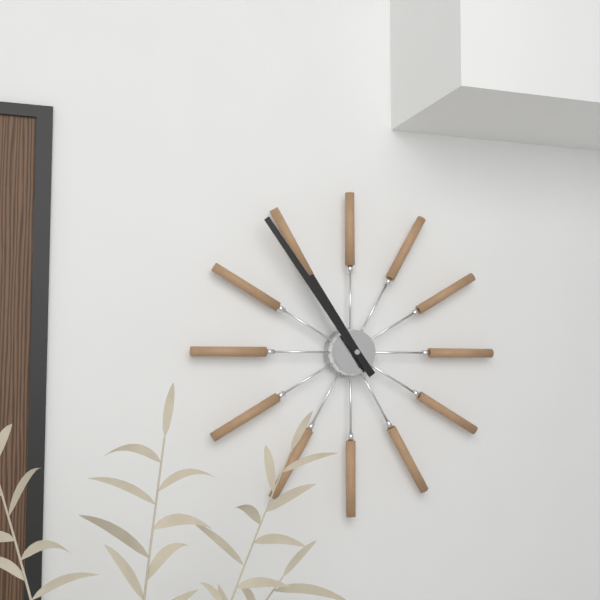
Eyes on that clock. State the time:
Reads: 10:54
